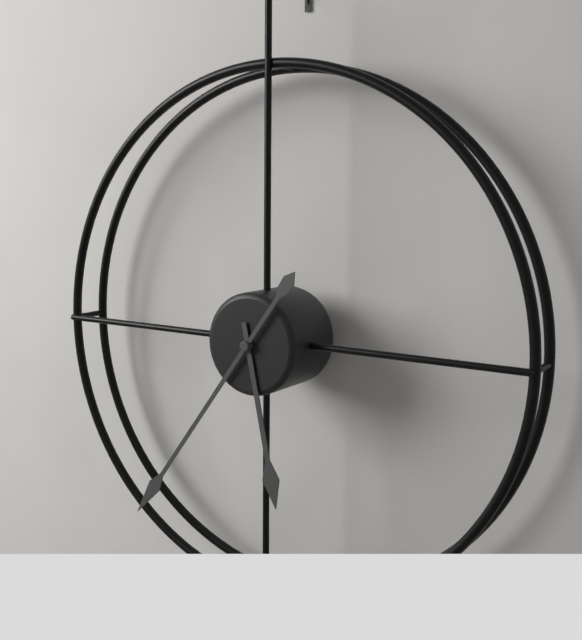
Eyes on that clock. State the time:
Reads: 5:36
